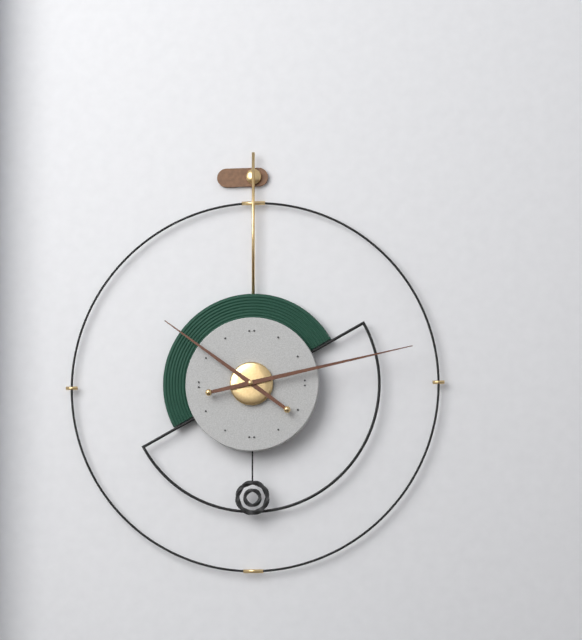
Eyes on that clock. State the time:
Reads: 10:13
